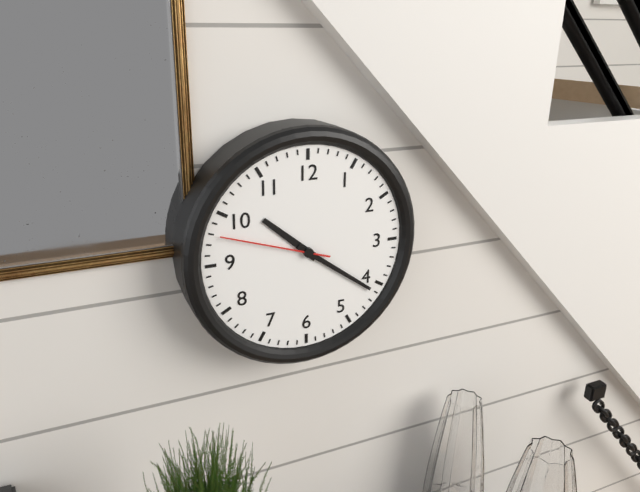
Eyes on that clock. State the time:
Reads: 10:21:48
